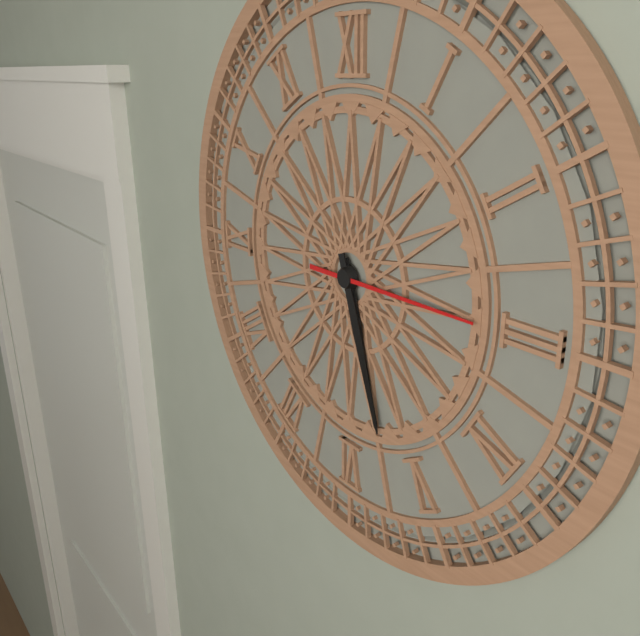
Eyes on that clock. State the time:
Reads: 5:27:15
